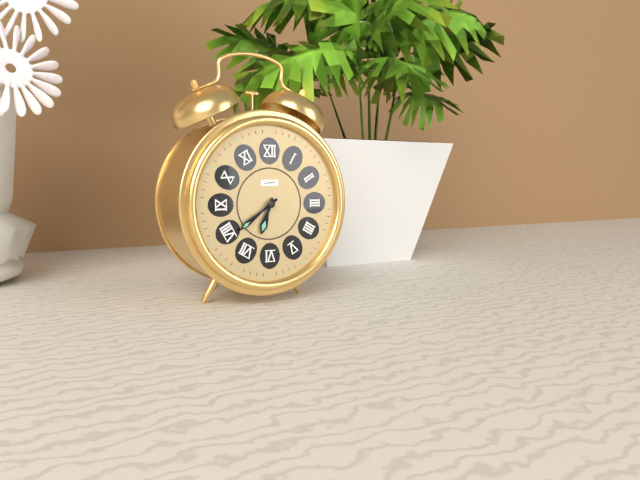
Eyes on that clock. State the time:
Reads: 6:39
